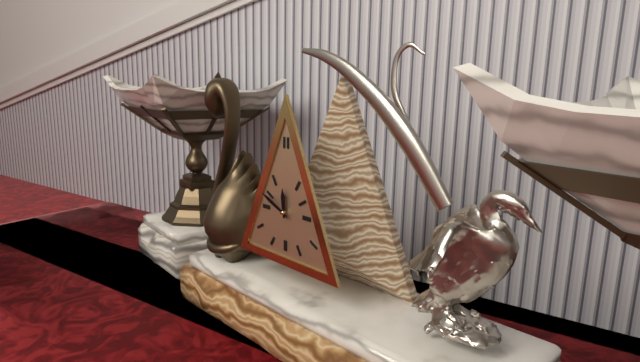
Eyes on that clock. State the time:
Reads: 11:49
